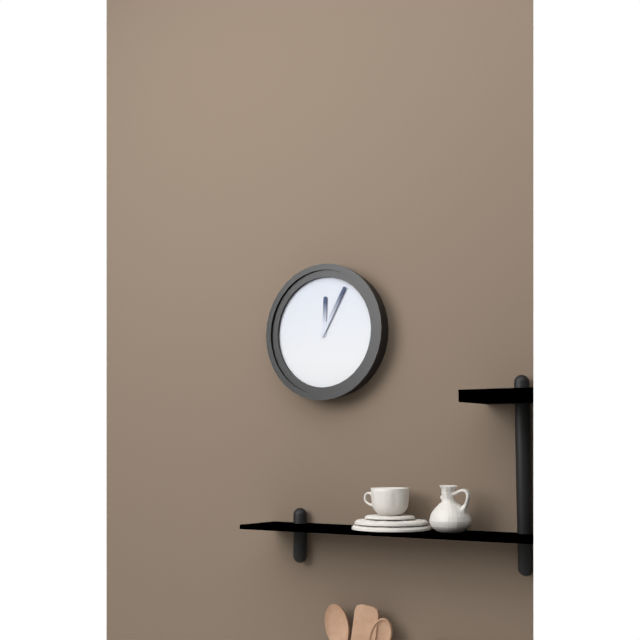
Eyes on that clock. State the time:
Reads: 12:05
